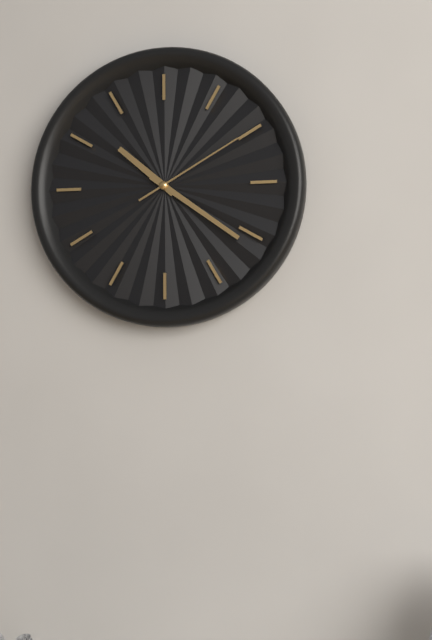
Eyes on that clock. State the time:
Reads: 10:21:10
